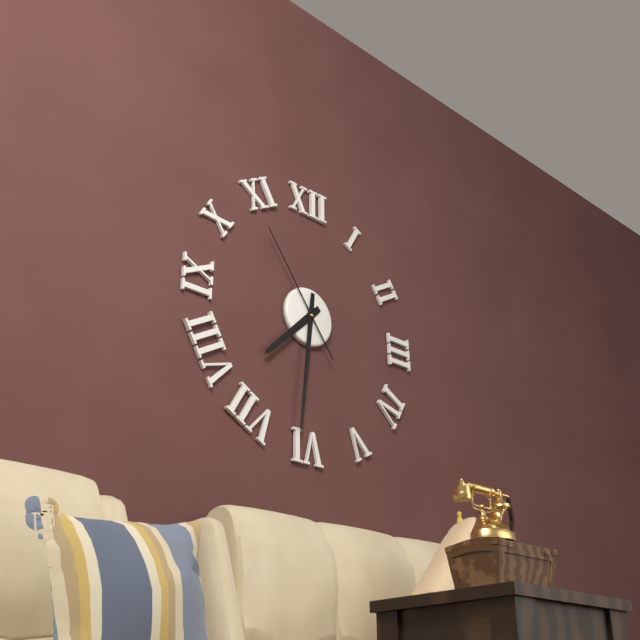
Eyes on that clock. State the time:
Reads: 7:31:54
